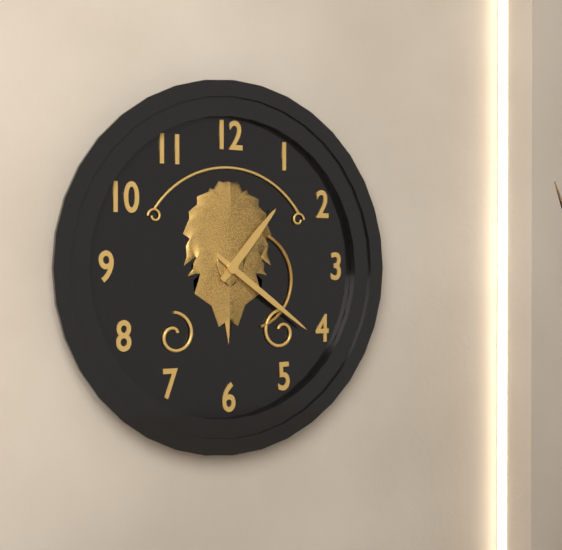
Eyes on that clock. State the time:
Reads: 1:21
